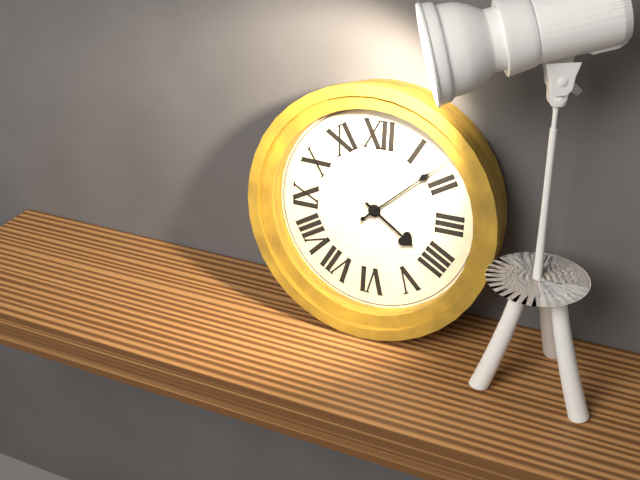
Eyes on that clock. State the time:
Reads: 4:08
